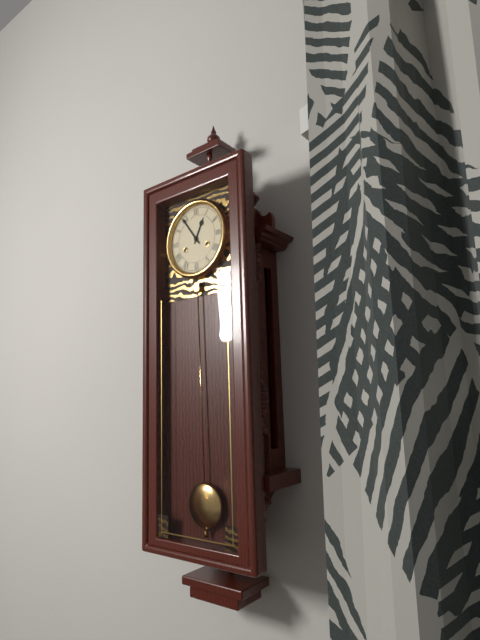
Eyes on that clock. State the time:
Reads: 12:54
